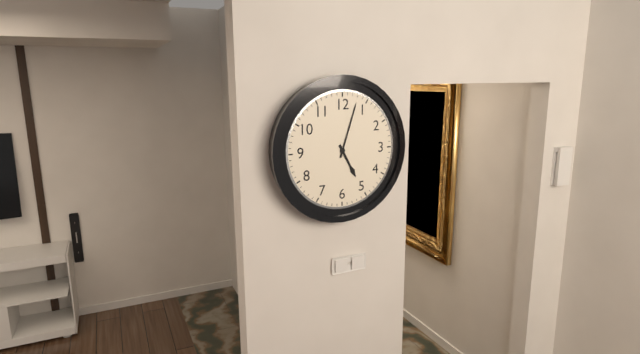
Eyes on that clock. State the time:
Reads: 5:03
